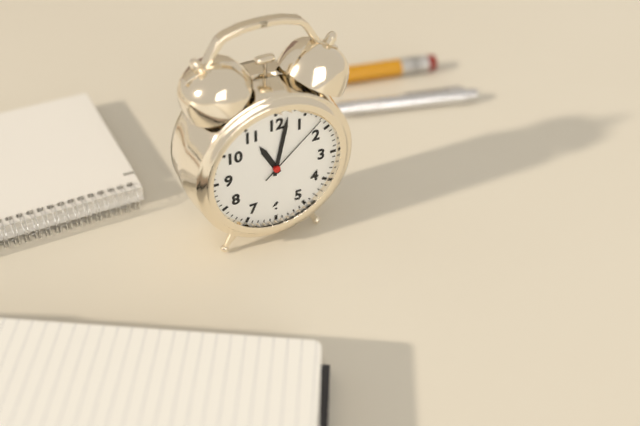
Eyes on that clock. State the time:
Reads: 11:02:08
